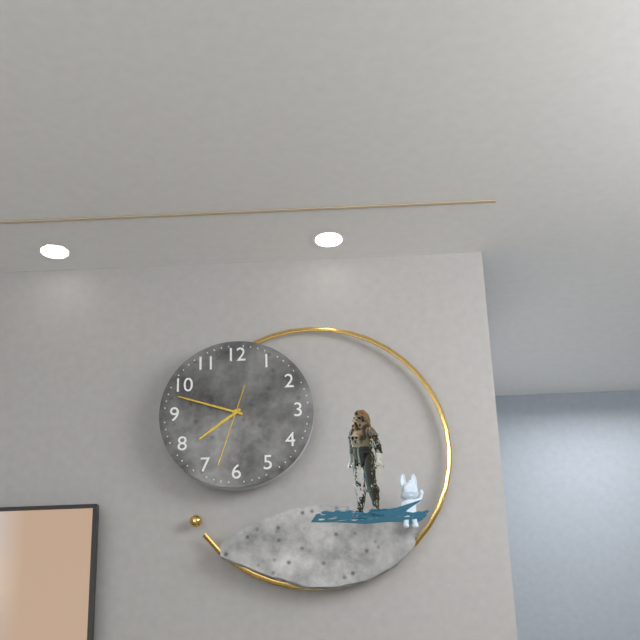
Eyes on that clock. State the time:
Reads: 7:48:33
